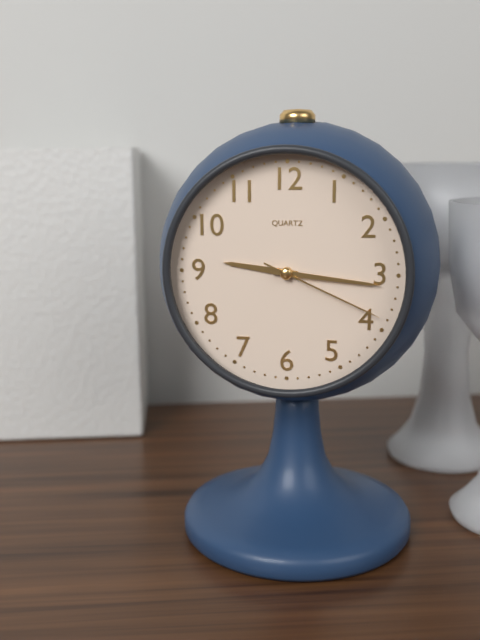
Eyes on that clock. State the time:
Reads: 9:16:19
